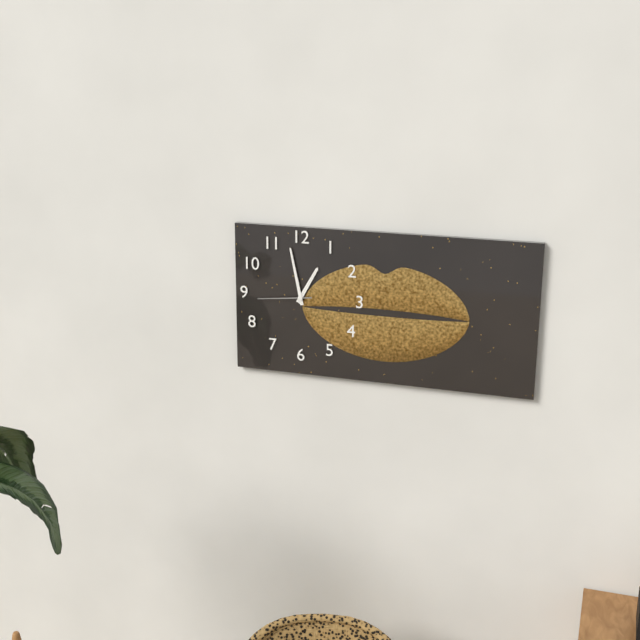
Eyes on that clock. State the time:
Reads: 12:58:44
